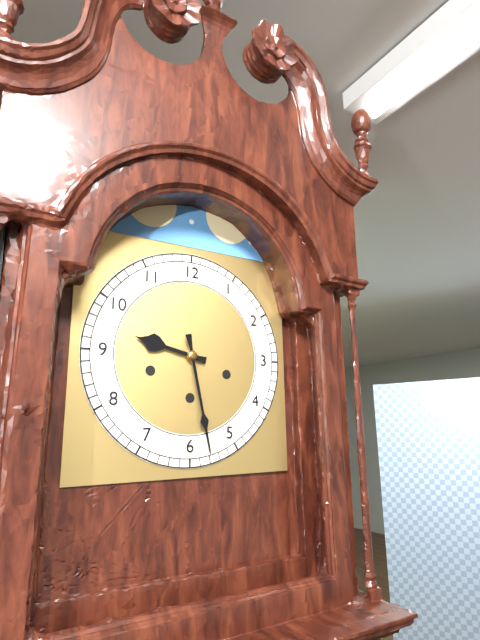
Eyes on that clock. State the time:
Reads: 9:28
